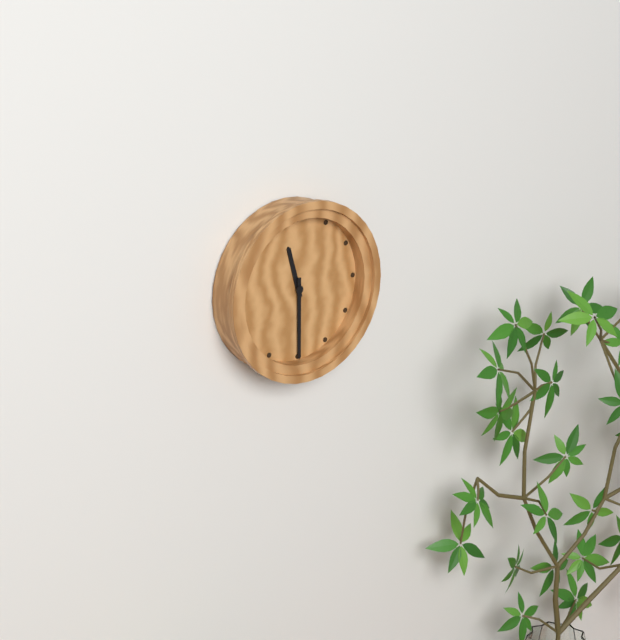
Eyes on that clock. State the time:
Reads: 11:30
